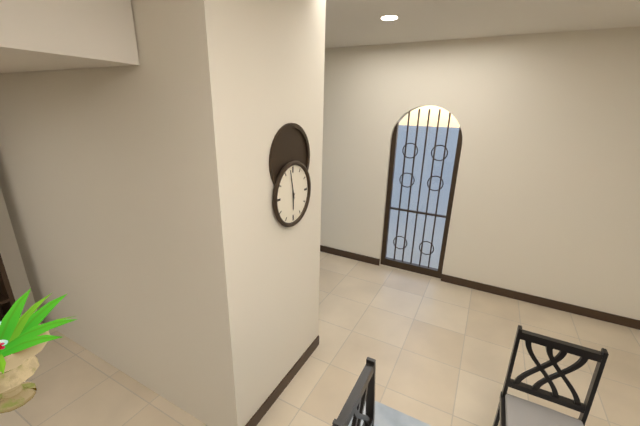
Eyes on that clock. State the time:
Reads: 5:58
